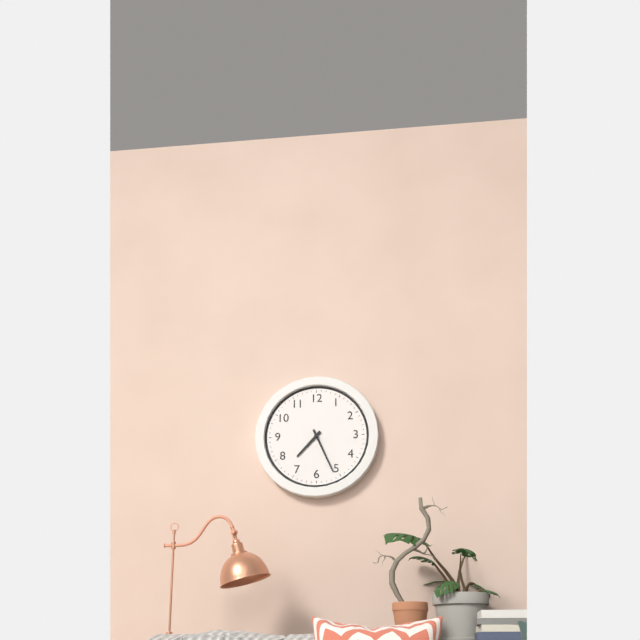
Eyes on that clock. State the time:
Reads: 7:26
